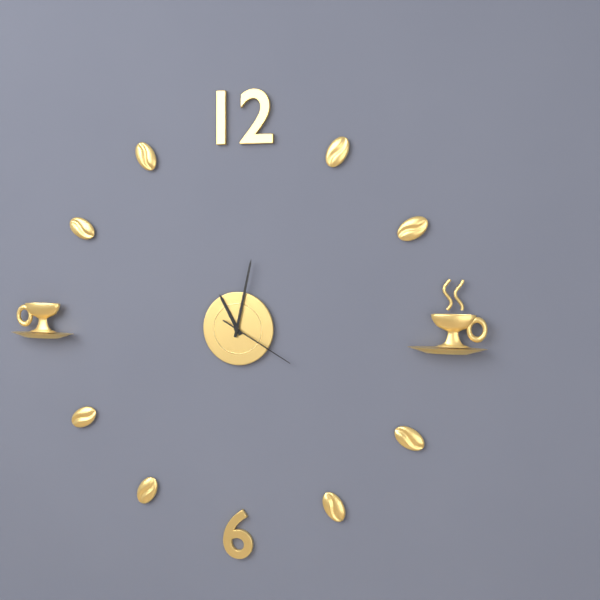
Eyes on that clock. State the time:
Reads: 11:02:20
